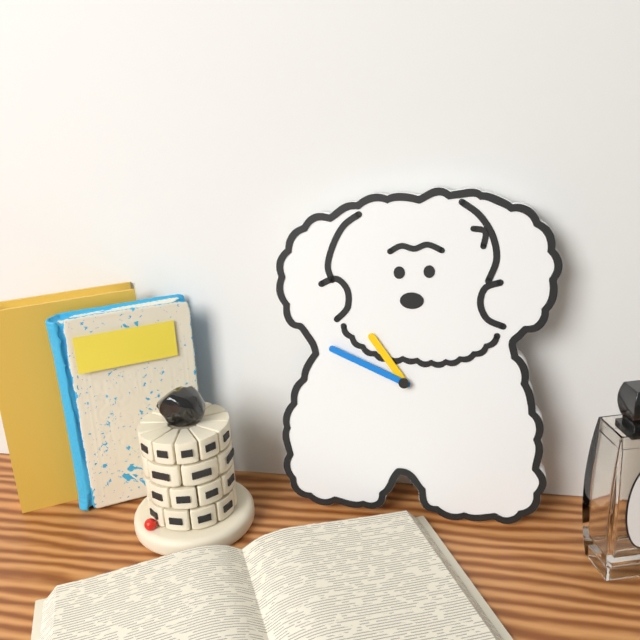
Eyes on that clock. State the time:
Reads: 10:49
